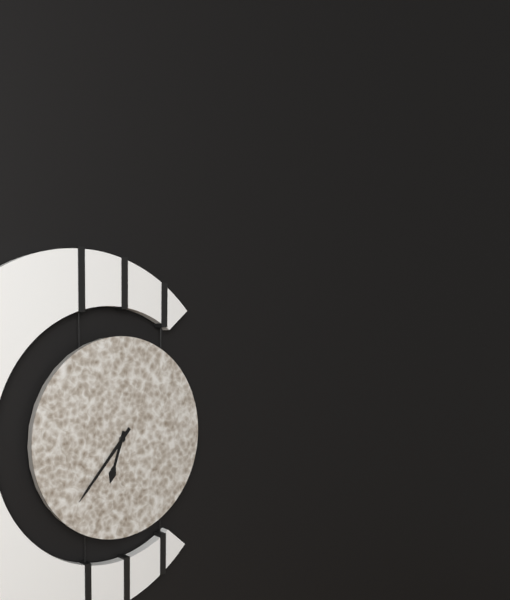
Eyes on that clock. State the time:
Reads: 6:37
